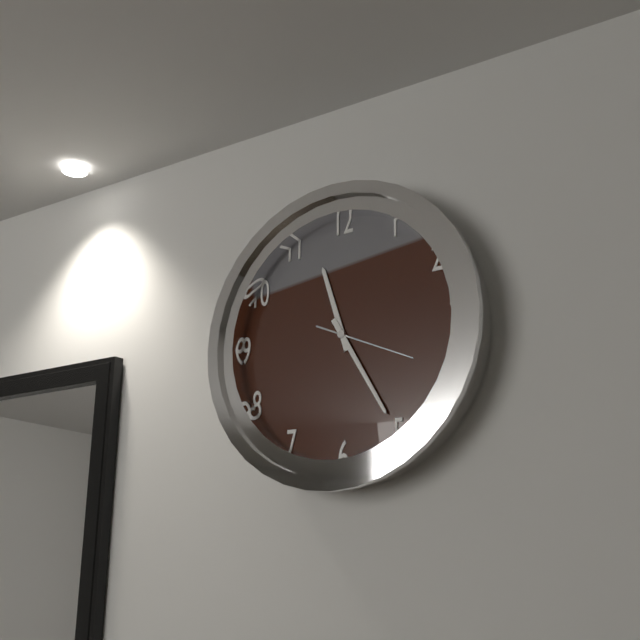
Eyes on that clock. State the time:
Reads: 11:25:19
